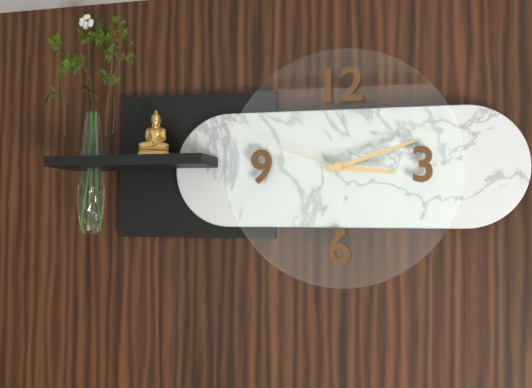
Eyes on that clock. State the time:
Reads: 3:12:48
